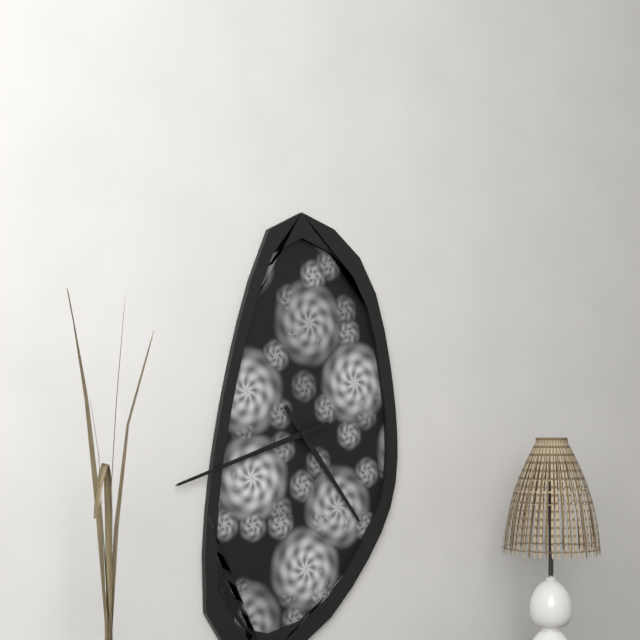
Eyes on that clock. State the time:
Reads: 4:42
